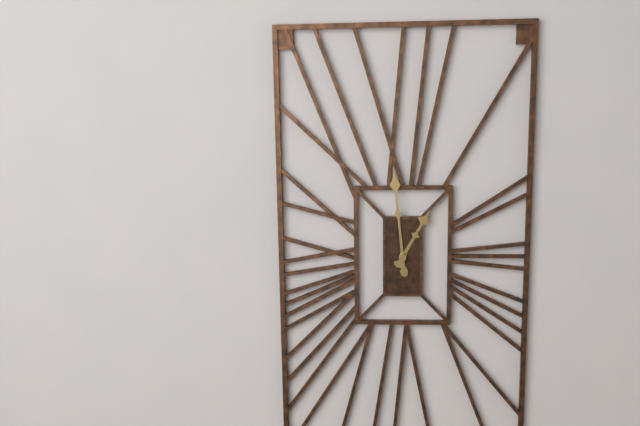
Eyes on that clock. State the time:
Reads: 12:59
